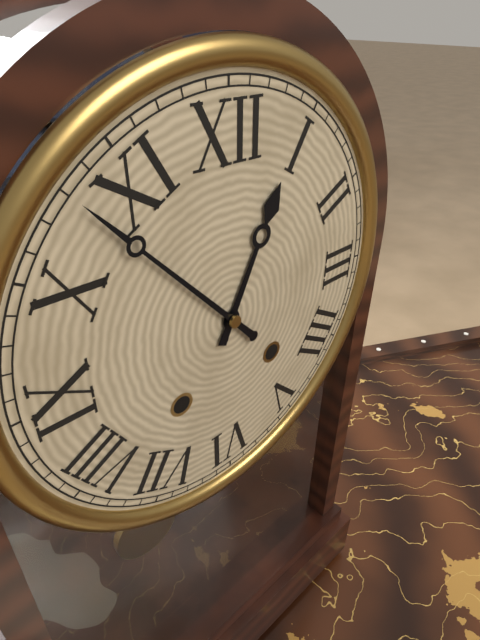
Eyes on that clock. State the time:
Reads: 12:53
